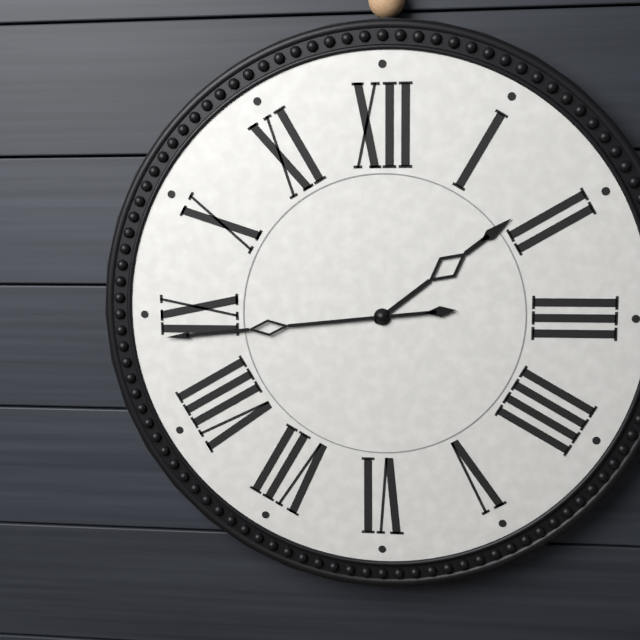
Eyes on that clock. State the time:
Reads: 1:44
